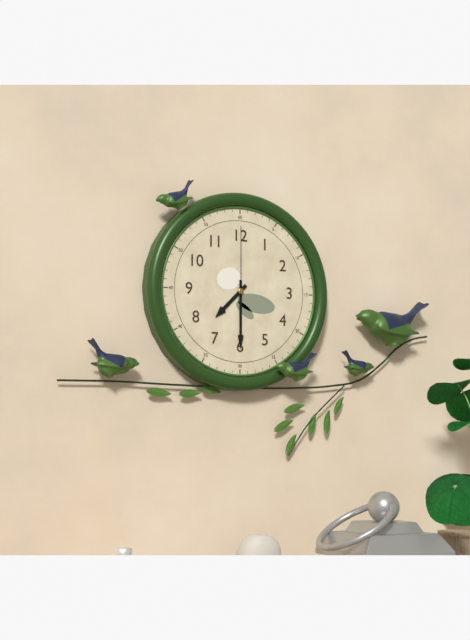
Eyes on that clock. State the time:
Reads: 7:30:00
